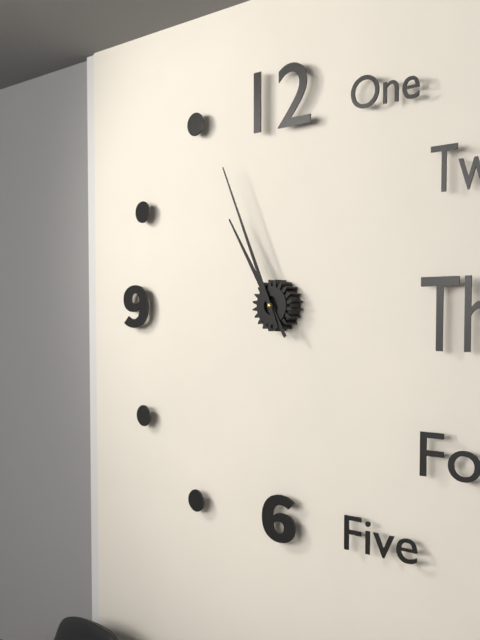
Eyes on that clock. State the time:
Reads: 10:56
